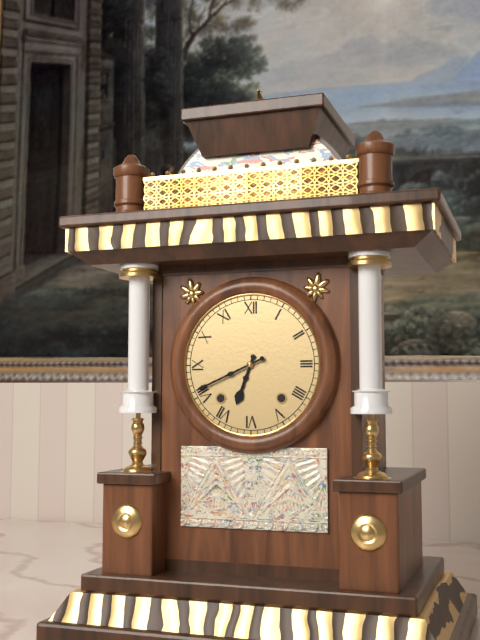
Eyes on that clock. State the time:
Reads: 6:41
